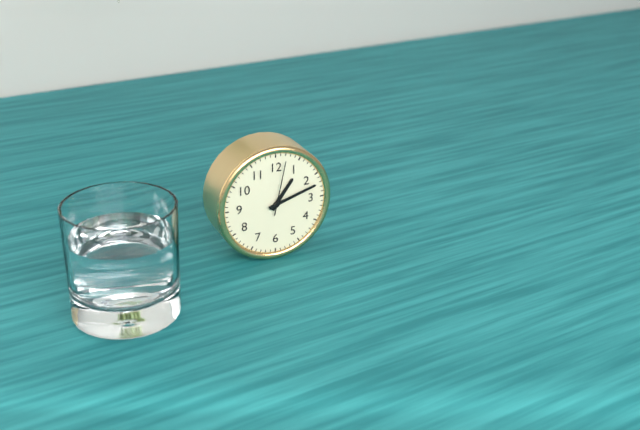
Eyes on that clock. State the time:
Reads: 1:12
